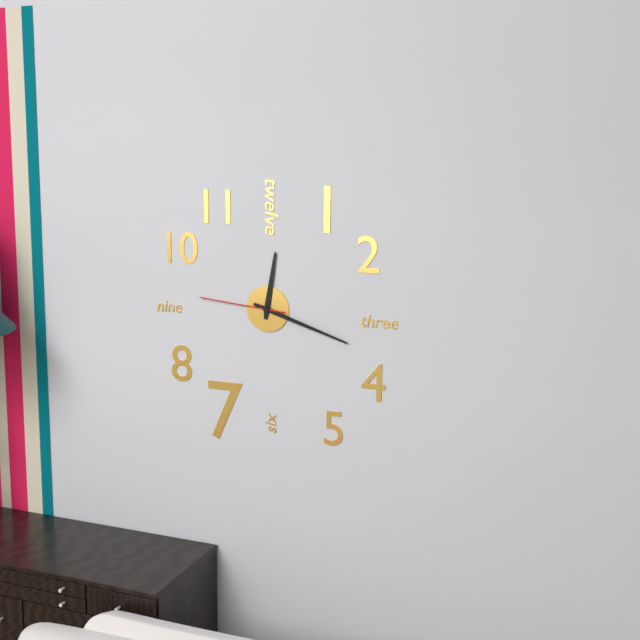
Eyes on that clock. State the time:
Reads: 12:18:46
